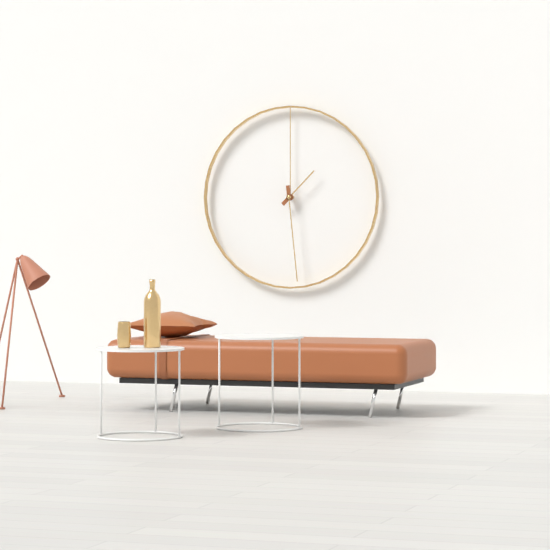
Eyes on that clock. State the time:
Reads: 1:29
